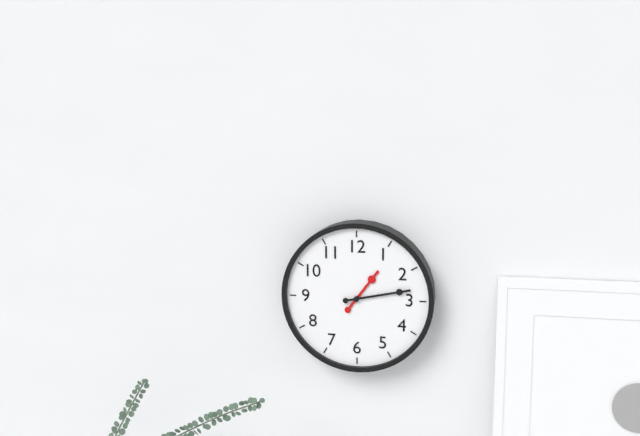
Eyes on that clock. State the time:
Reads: 1:13
